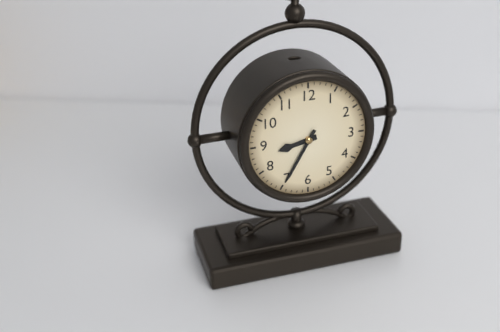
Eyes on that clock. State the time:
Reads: 8:35
